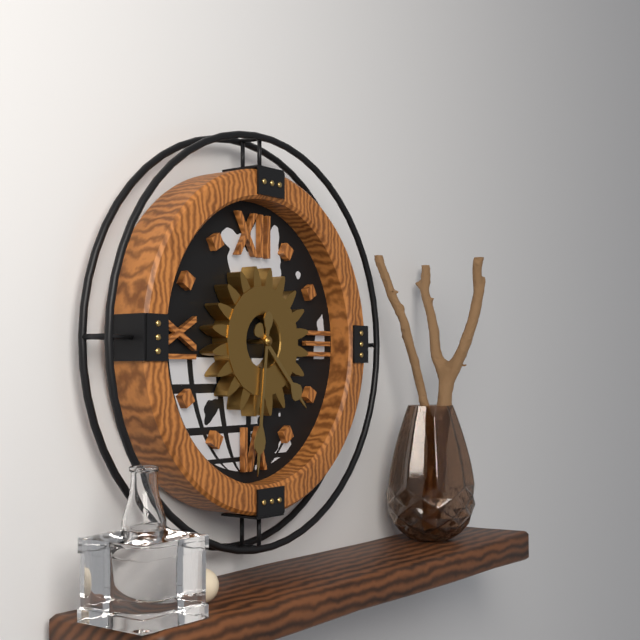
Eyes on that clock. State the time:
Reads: 4:31
